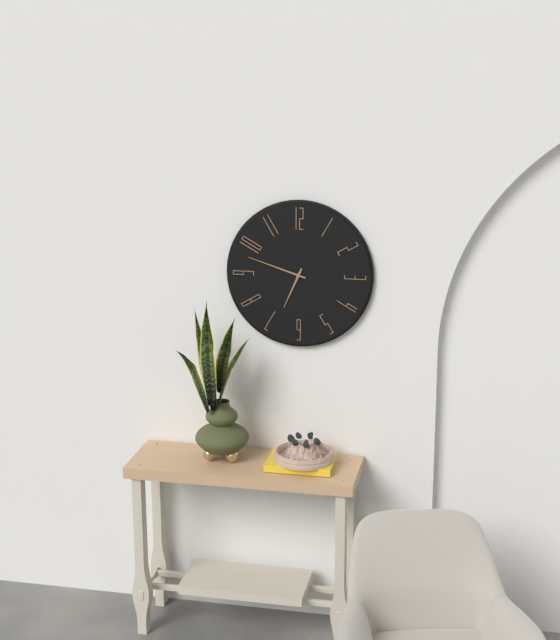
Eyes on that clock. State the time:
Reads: 6:48
